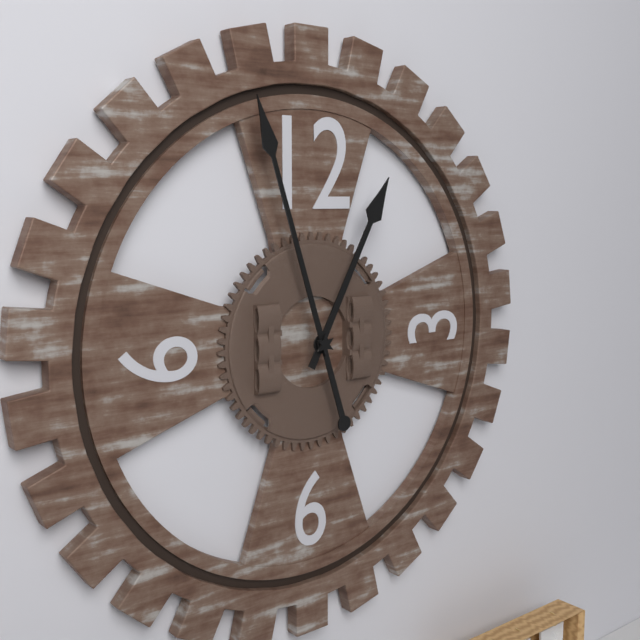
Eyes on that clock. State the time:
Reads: 12:57
